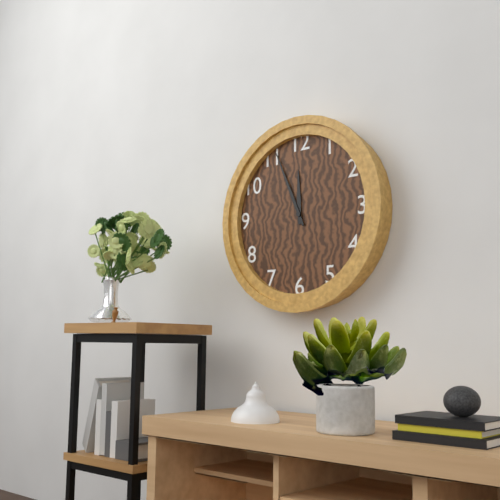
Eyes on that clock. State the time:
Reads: 11:56
